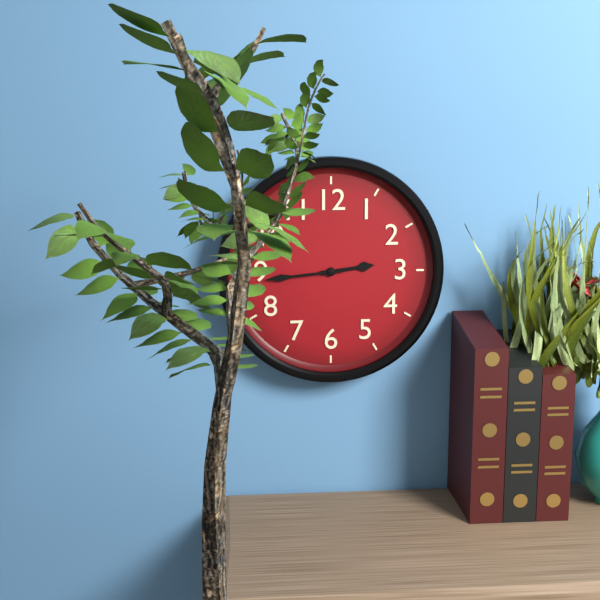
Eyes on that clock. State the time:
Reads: 2:44
